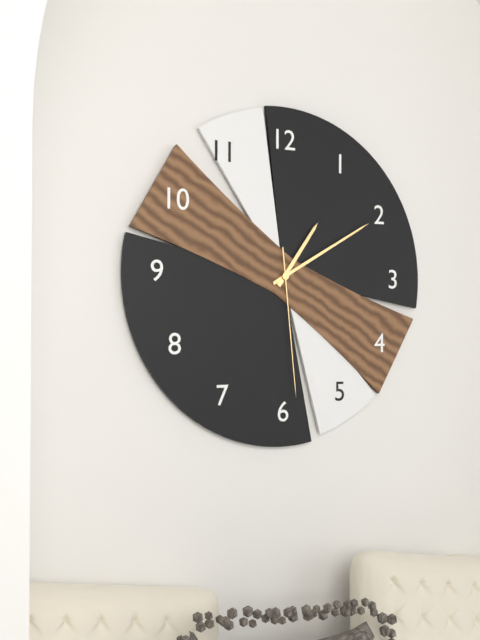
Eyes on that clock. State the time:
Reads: 1:10:29
